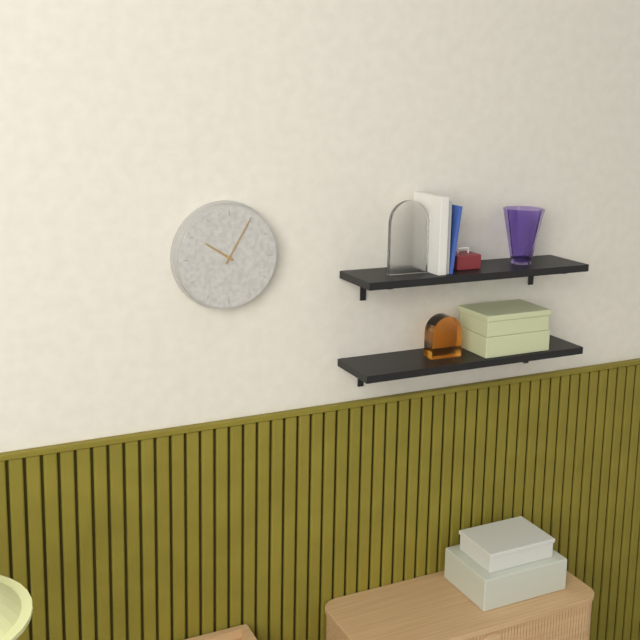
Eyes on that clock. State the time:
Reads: 10:05
